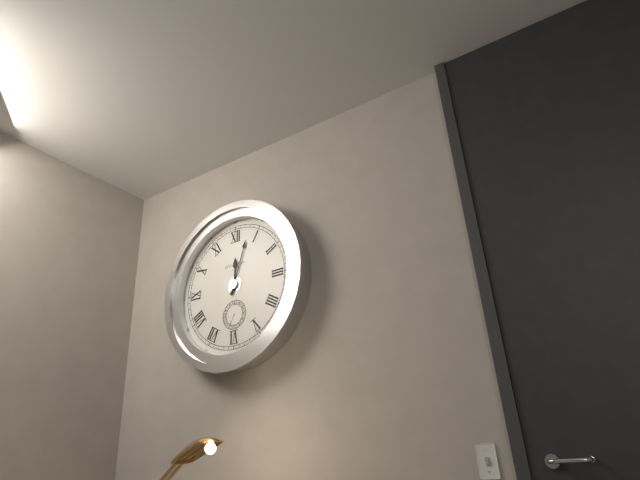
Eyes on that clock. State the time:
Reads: 12:03
